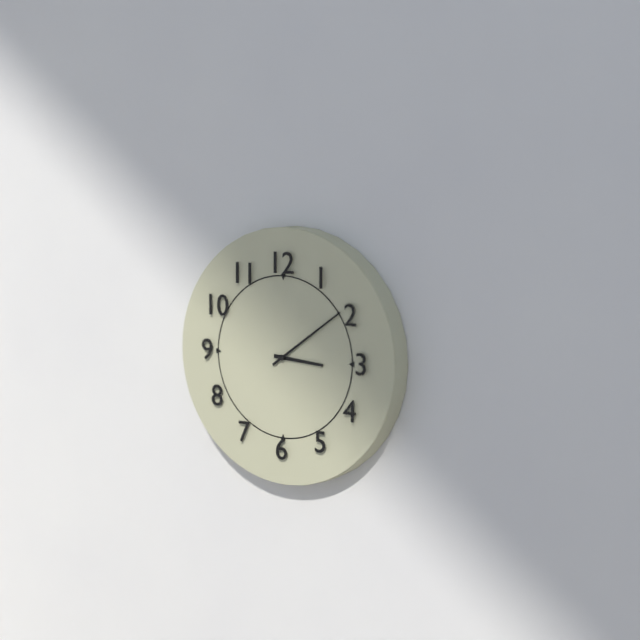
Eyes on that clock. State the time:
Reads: 3:09
